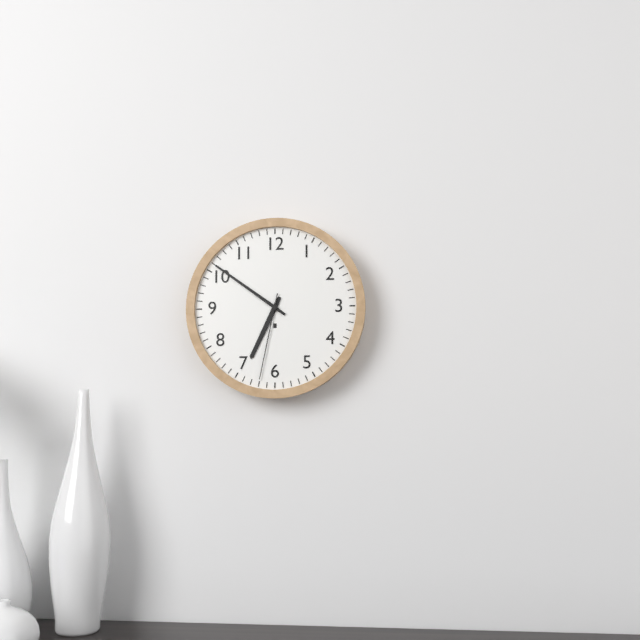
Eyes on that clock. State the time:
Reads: 6:51:32
